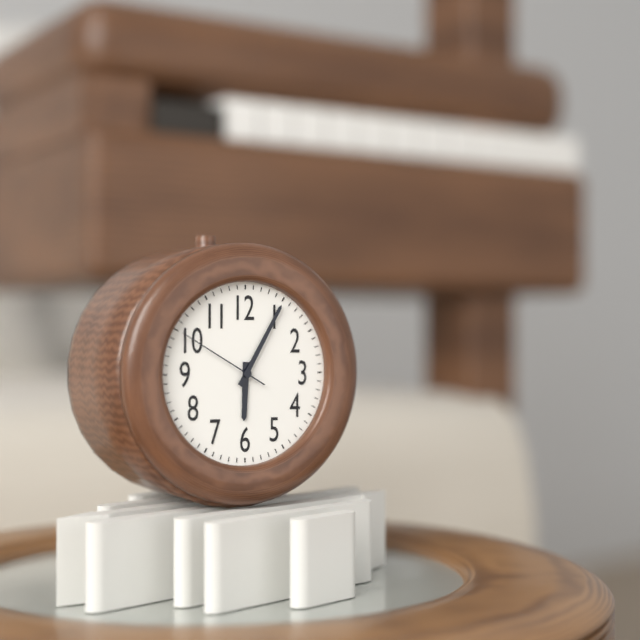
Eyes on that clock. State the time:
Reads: 6:05:50
